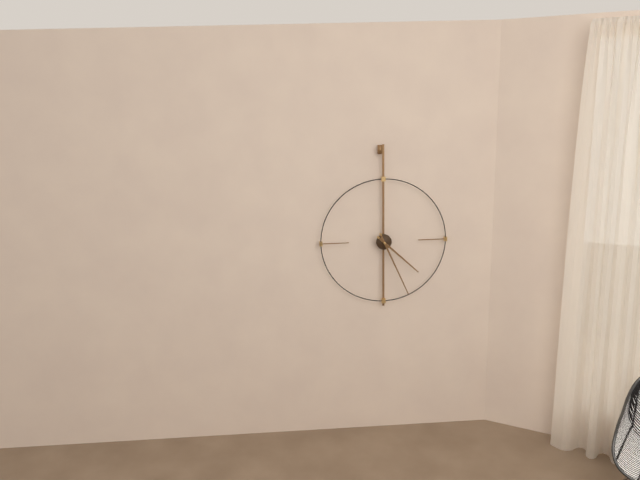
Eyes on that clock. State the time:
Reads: 4:26
